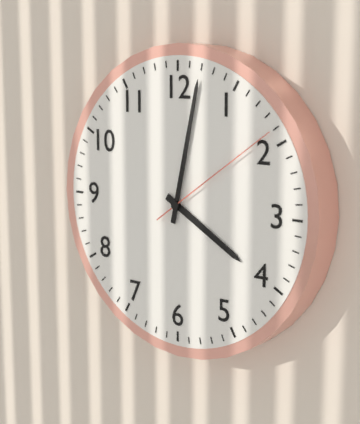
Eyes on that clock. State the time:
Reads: 4:02:09
